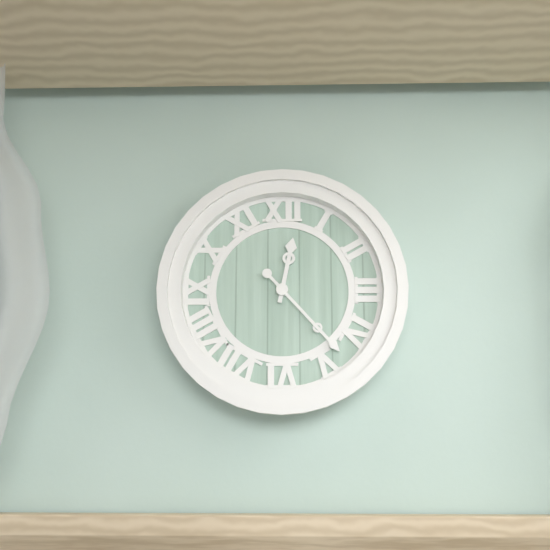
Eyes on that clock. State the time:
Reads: 12:23
